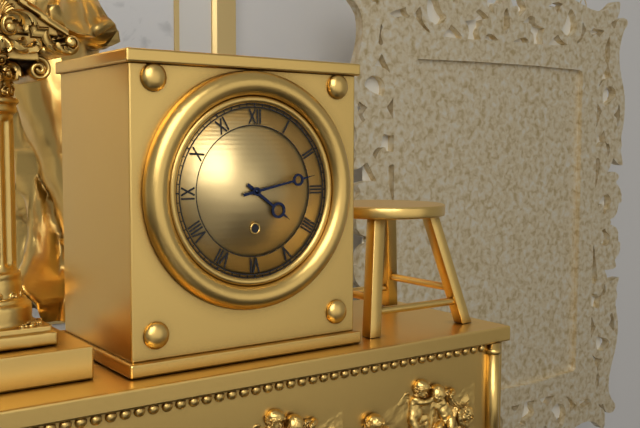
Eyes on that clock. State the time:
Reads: 4:13
